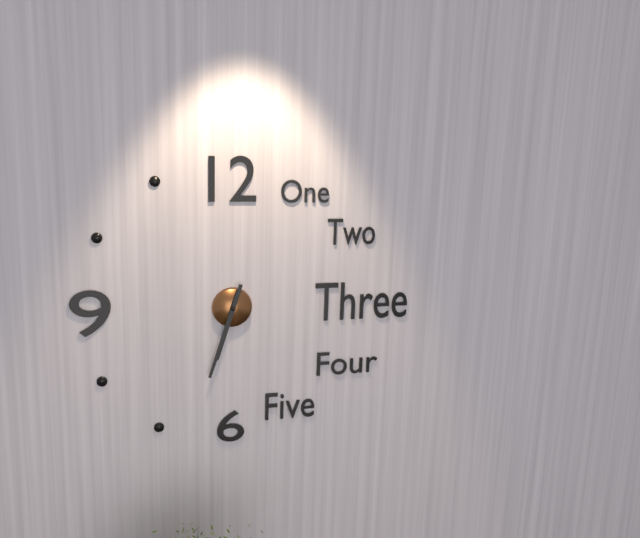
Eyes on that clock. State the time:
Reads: 6:33
